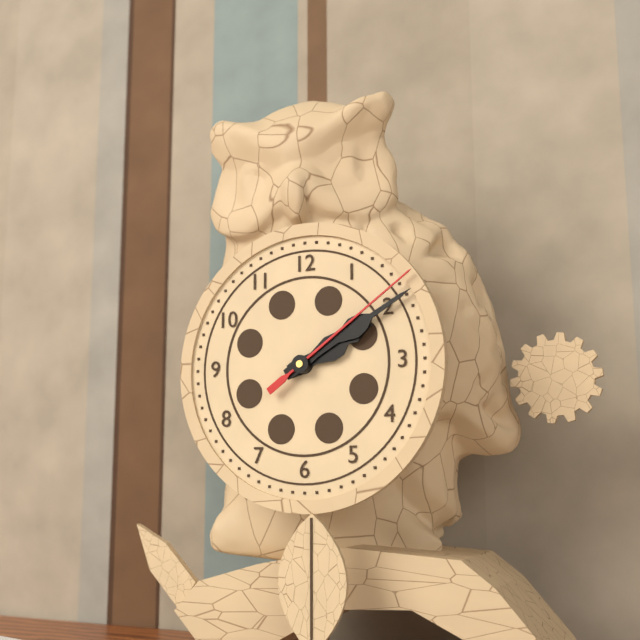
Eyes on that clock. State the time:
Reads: 2:10:09
